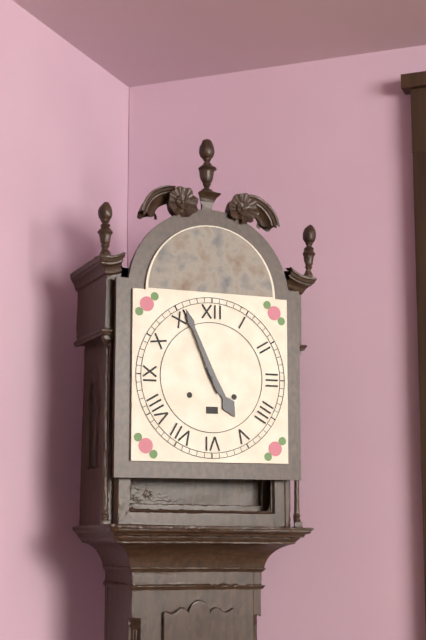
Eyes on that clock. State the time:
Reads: 4:56
